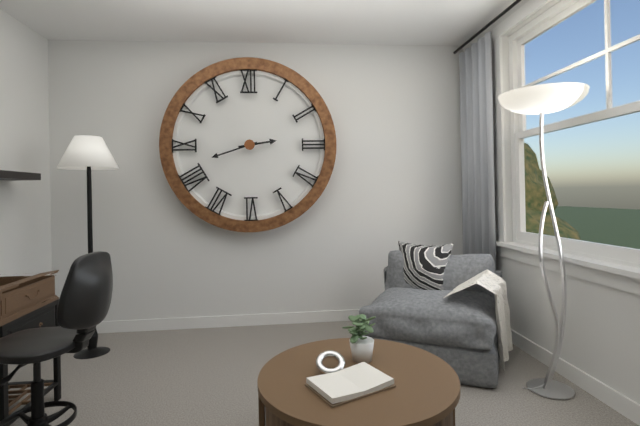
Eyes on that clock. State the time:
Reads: 2:42
